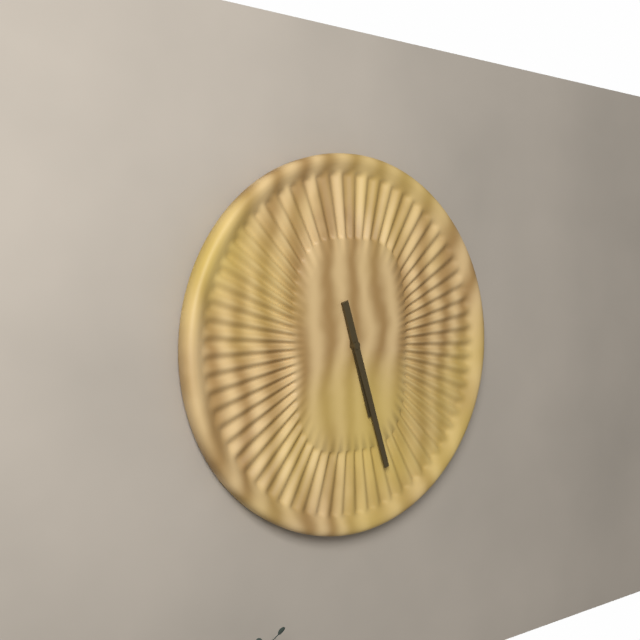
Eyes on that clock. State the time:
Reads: 5:27
